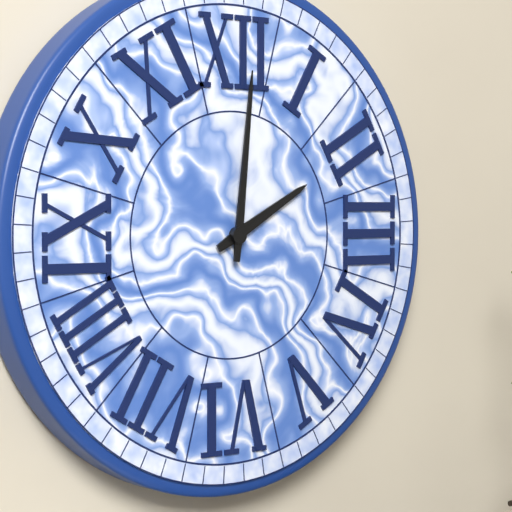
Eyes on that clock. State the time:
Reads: 2:01
